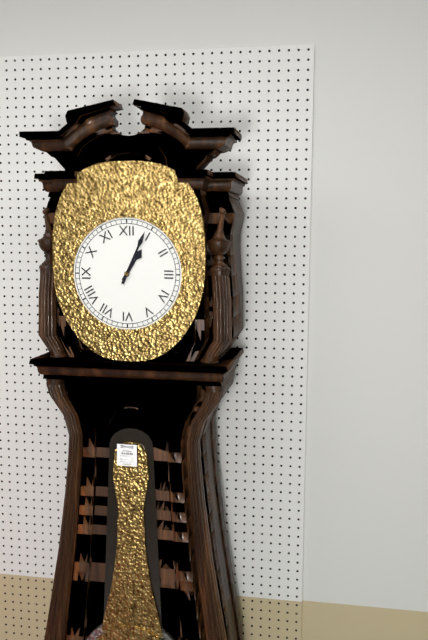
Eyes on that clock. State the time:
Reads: 1:04
